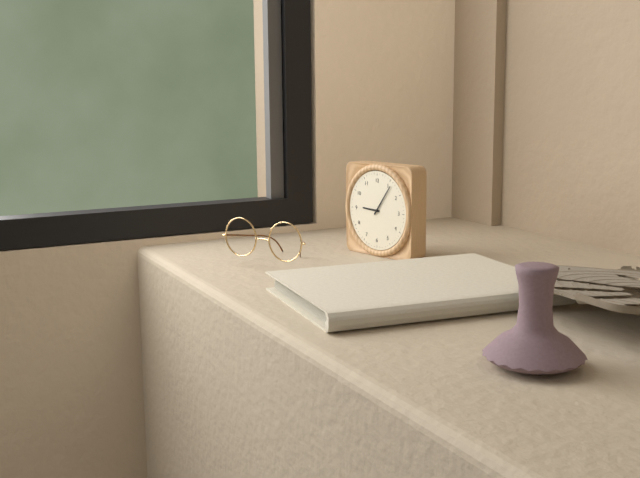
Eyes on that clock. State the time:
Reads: 9:06
